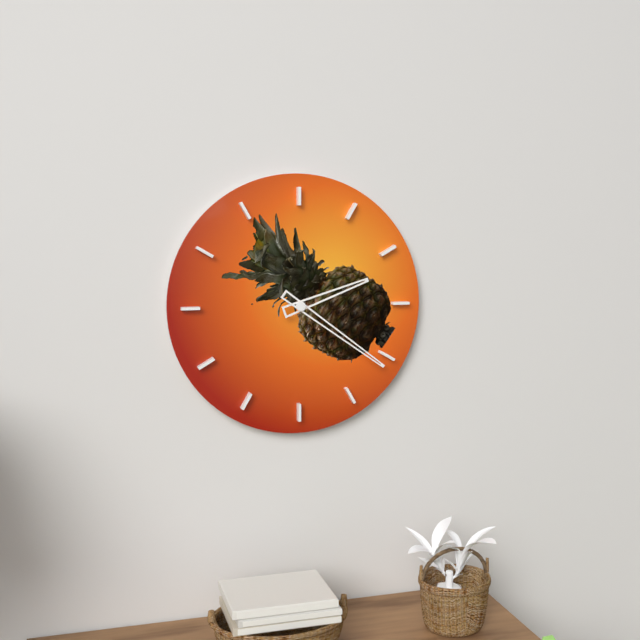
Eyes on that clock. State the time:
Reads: 2:21
